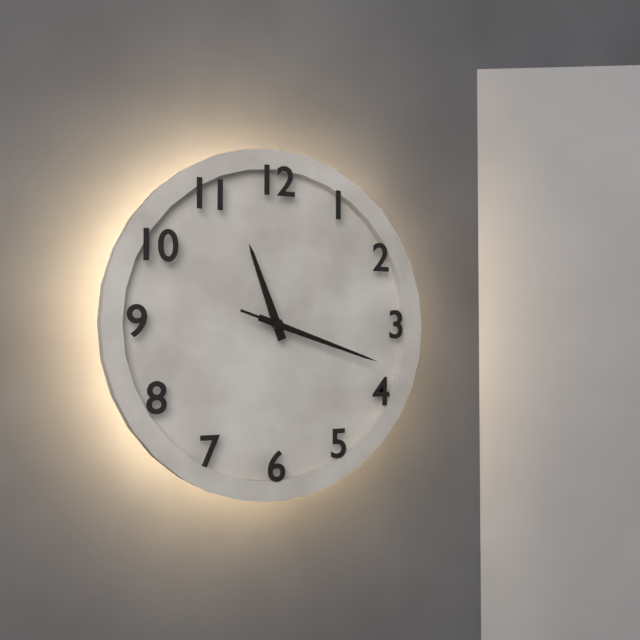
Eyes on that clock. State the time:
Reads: 11:18:18
